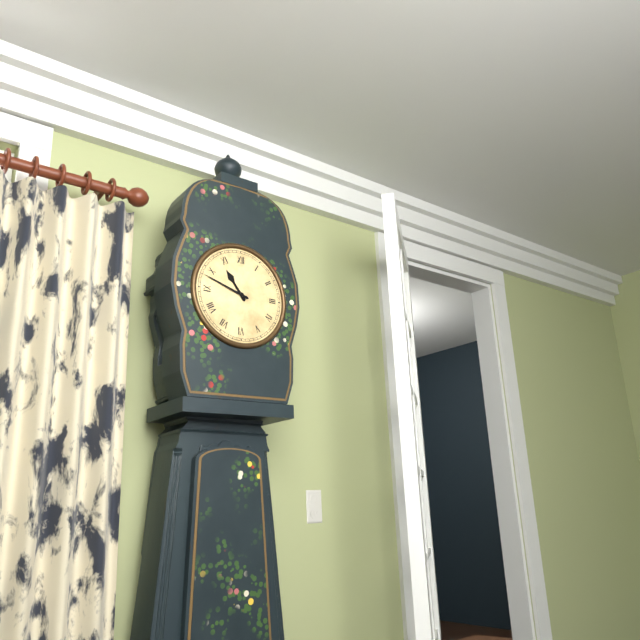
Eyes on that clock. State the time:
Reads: 10:48
